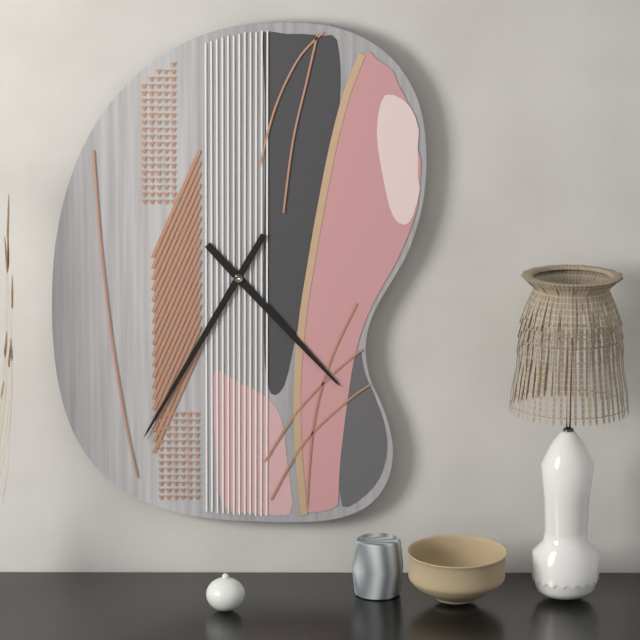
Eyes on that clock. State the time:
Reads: 4:35
